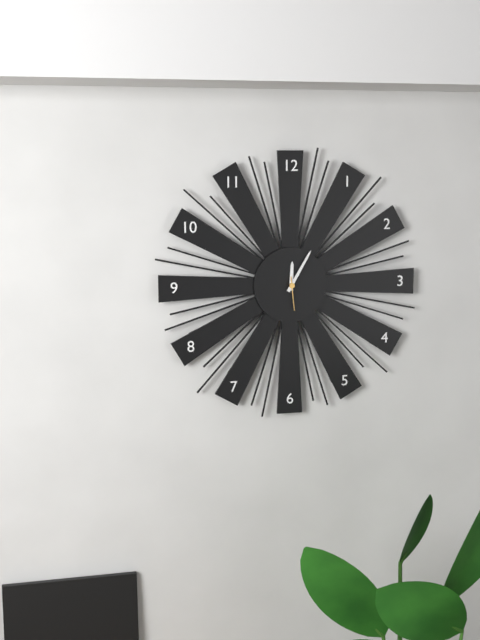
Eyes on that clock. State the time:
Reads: 12:05
